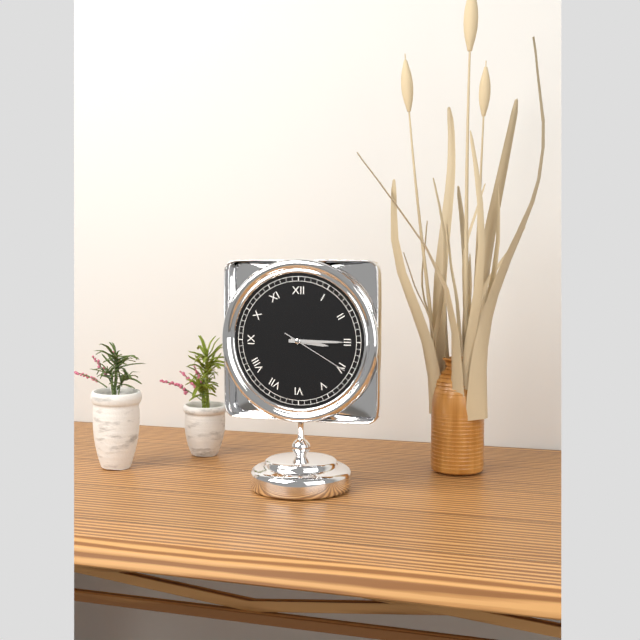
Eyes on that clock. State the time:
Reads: 3:15:20
